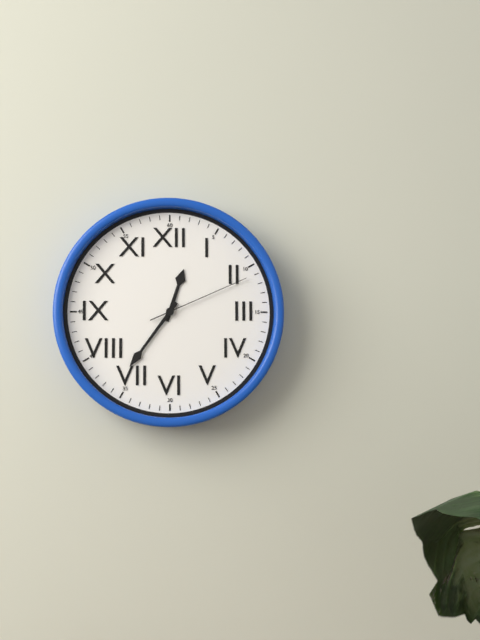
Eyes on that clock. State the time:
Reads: 12:36:11
